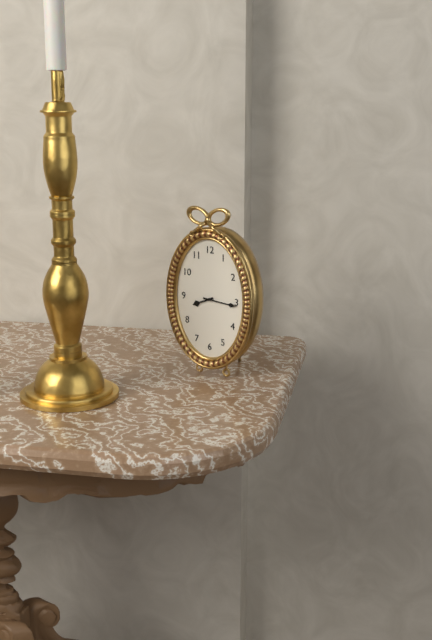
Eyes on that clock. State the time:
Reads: 8:16
